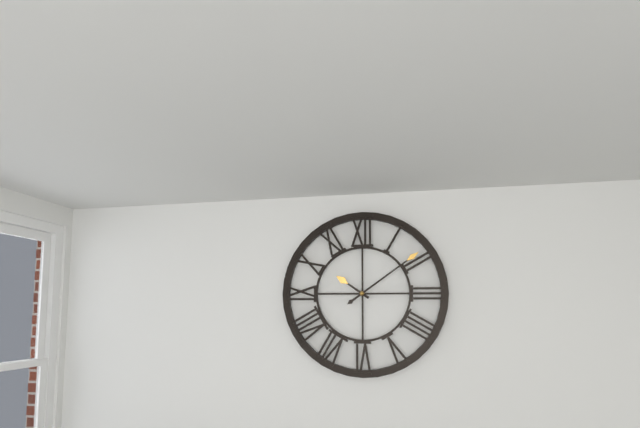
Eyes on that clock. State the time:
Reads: 10:09
